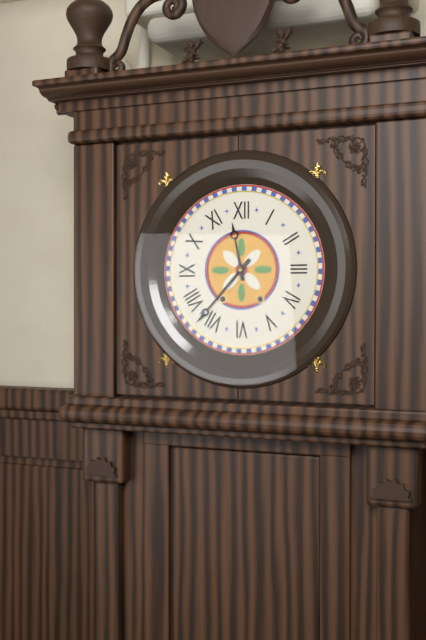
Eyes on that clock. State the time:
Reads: 11:37
